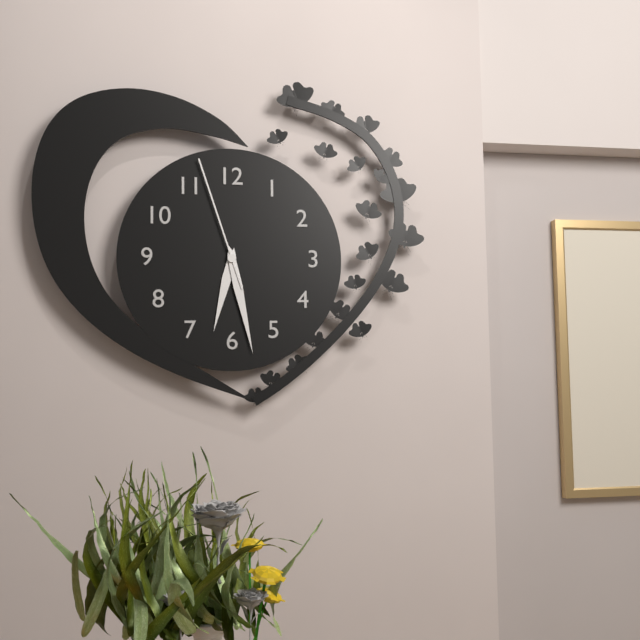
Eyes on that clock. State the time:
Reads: 6:28:57
